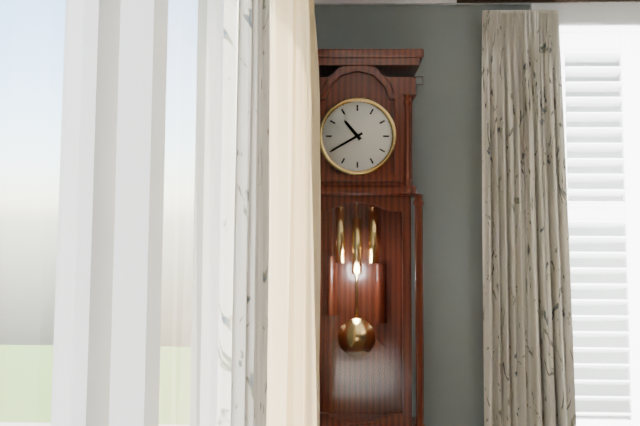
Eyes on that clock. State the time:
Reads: 10:40
